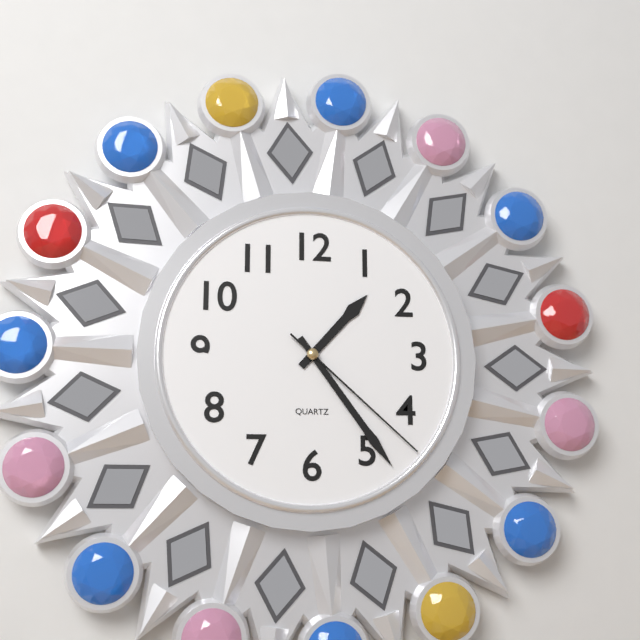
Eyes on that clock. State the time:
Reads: 1:24:22
